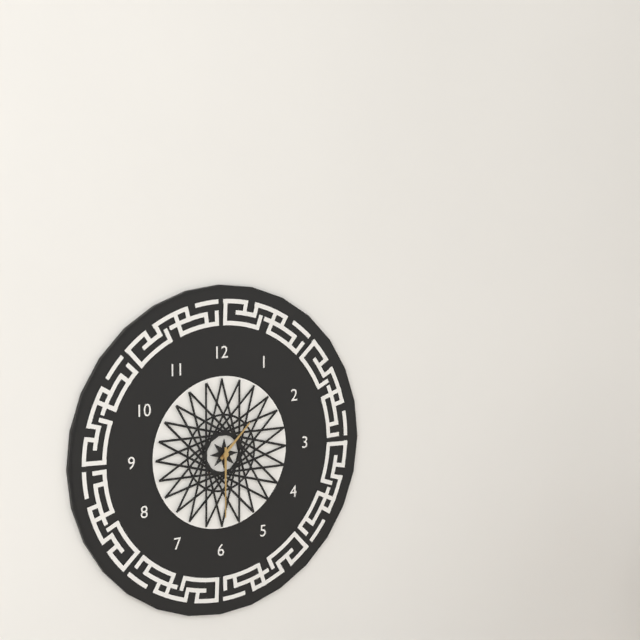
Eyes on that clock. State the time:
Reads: 1:30
